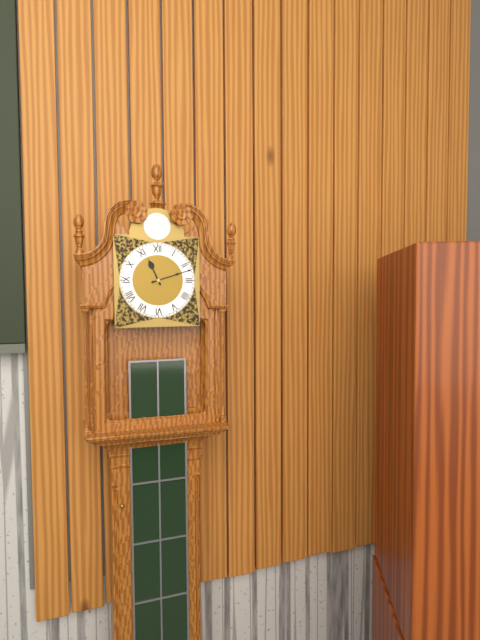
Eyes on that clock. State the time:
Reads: 11:12
